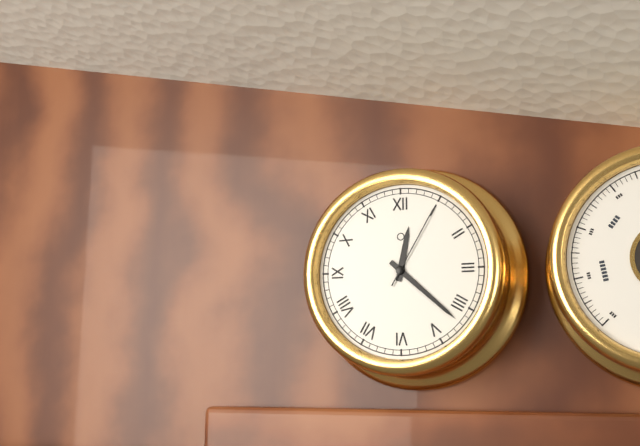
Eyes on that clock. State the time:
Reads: 12:22:05
